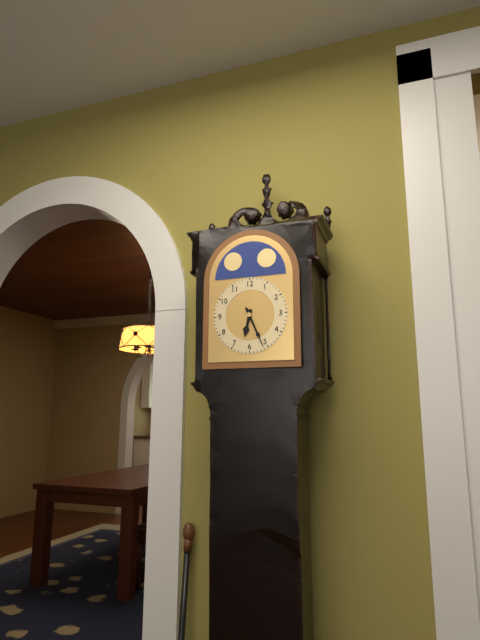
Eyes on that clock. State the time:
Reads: 6:26
